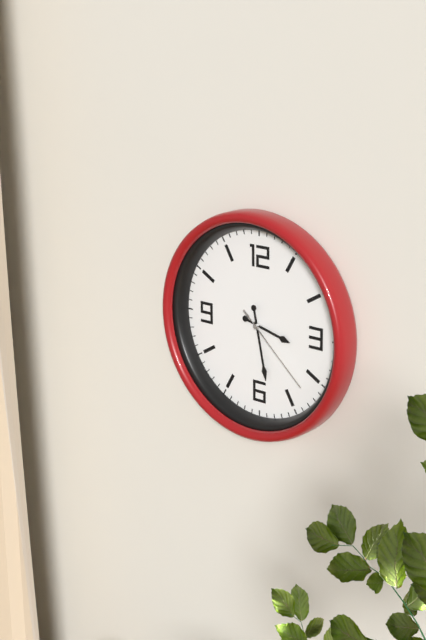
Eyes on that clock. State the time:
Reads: 3:28:22
